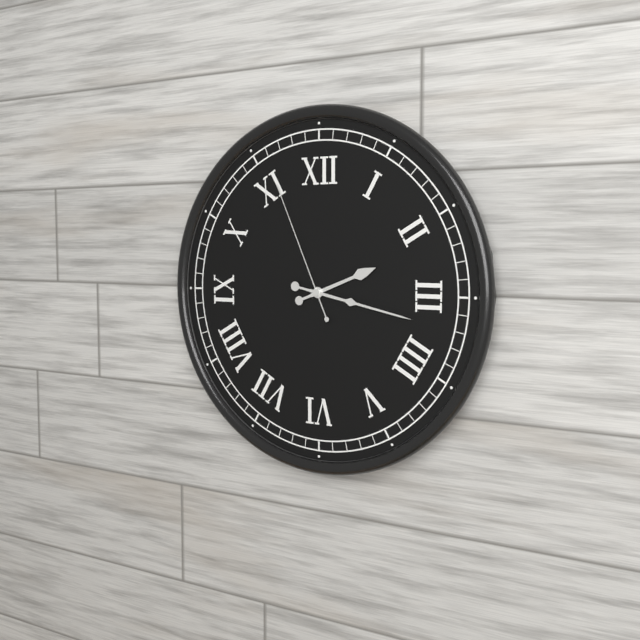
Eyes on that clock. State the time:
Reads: 2:17:56
